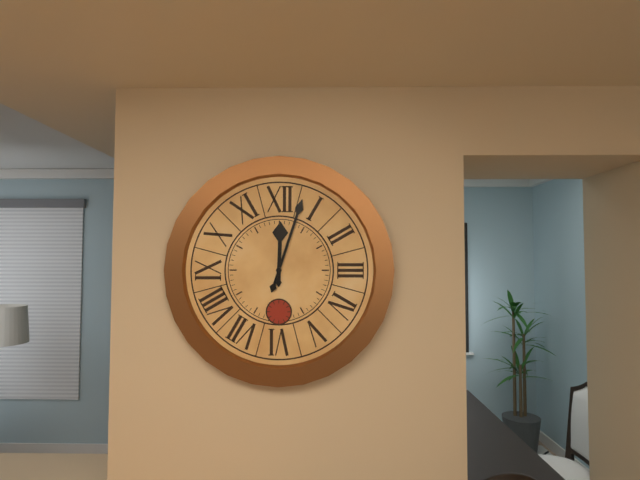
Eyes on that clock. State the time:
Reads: 12:03
